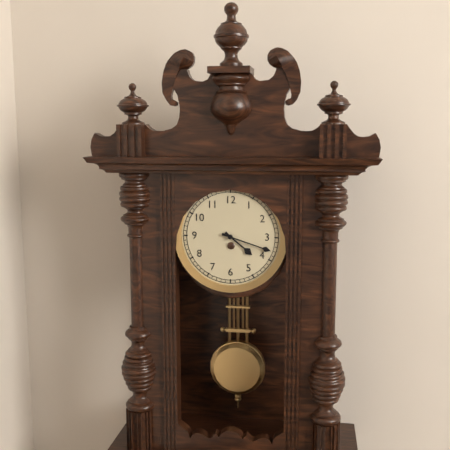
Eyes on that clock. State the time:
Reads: 4:18
